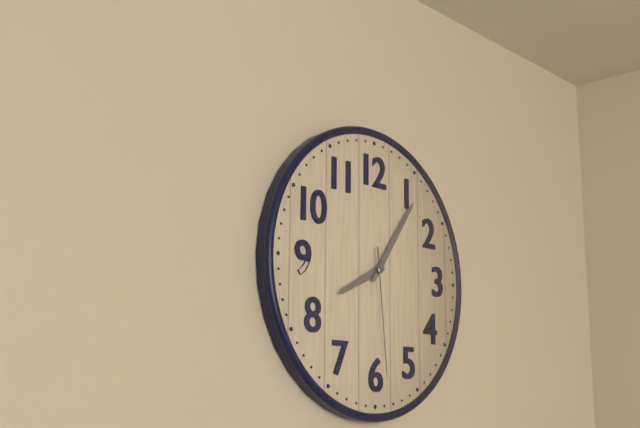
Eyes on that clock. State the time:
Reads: 8:06:29
